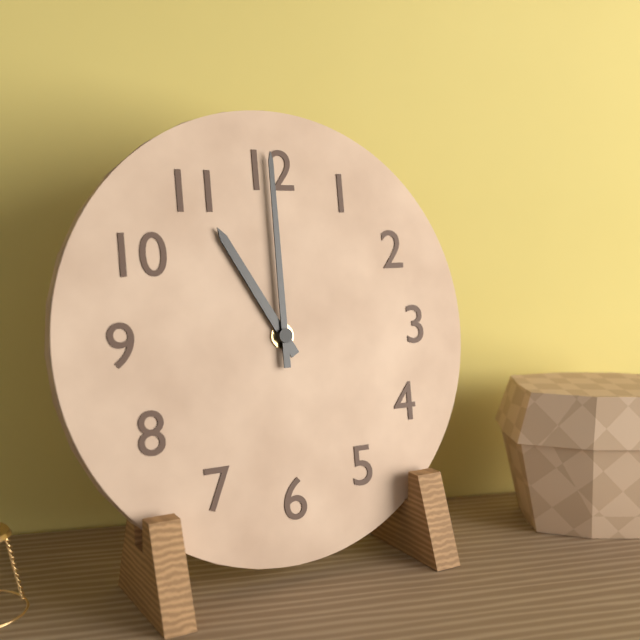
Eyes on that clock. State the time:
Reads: 11:00
